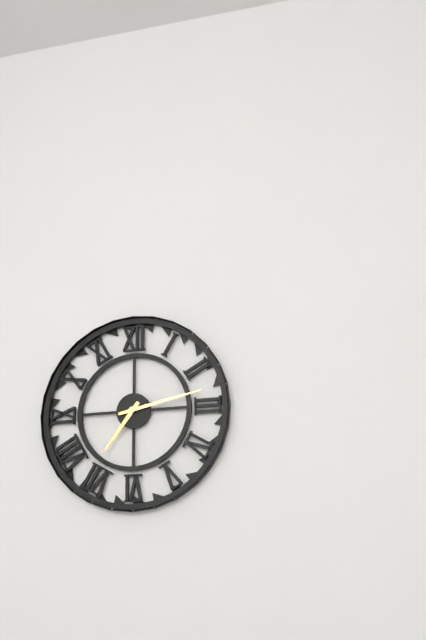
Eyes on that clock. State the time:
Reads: 7:13
